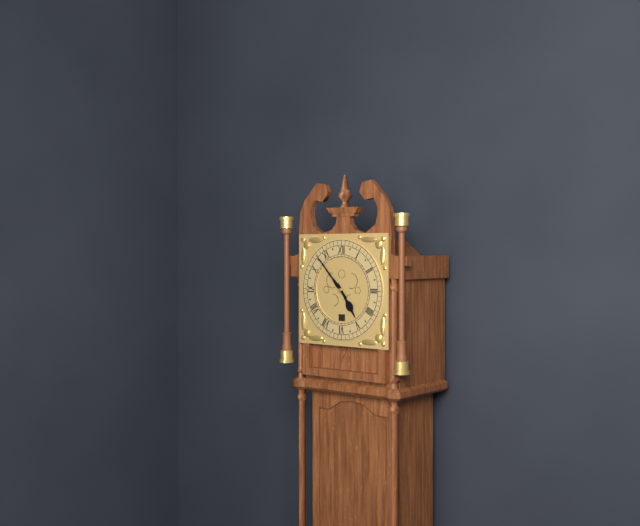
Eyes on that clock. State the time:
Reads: 4:53
